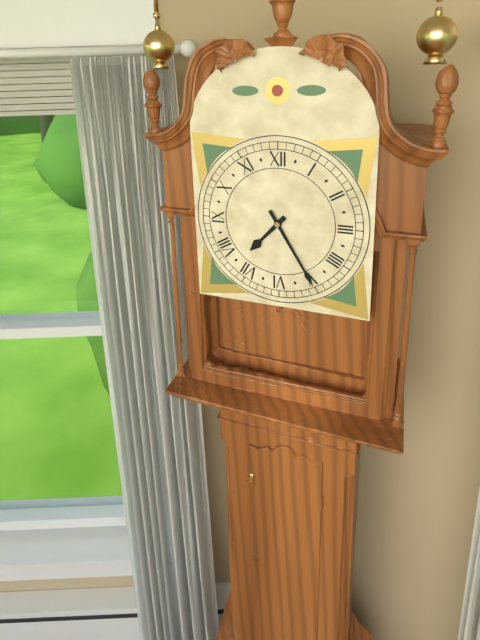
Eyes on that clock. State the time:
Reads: 7:25
